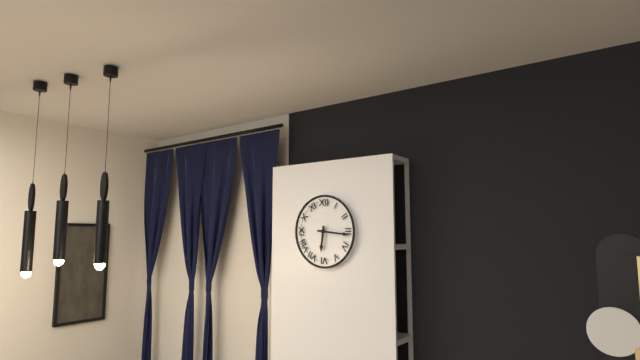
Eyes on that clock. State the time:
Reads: 6:16
